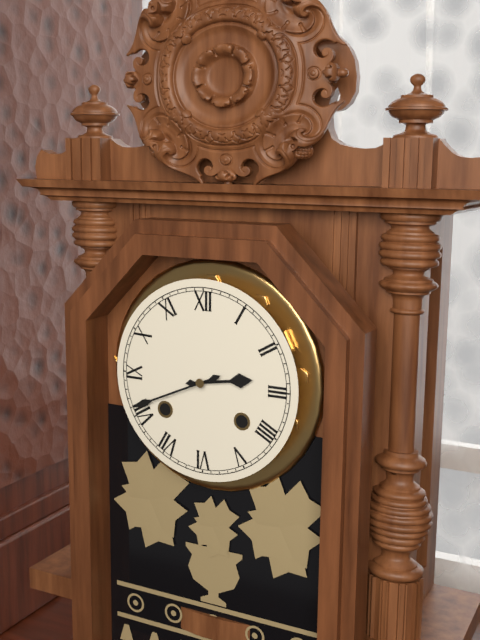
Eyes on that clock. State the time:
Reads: 2:41
